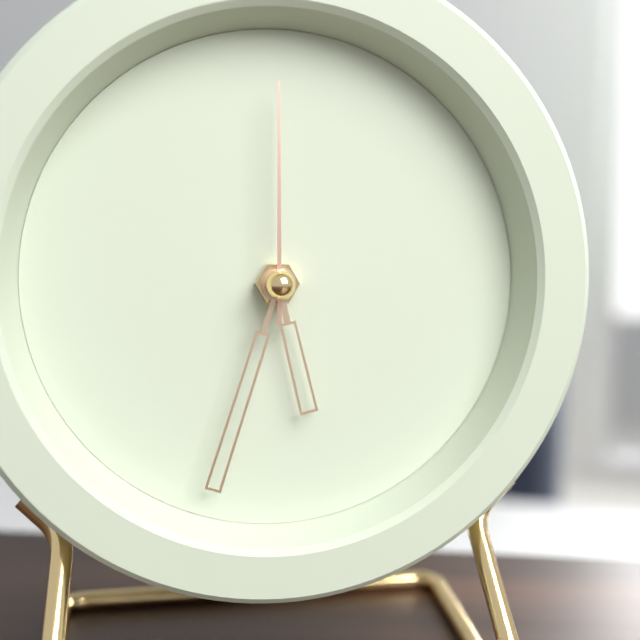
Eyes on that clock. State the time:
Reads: 5:33:00
